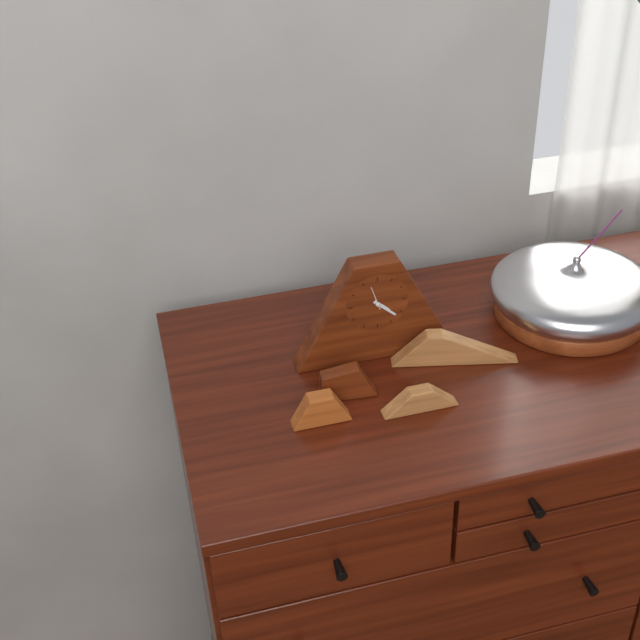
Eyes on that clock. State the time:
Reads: 4:22
